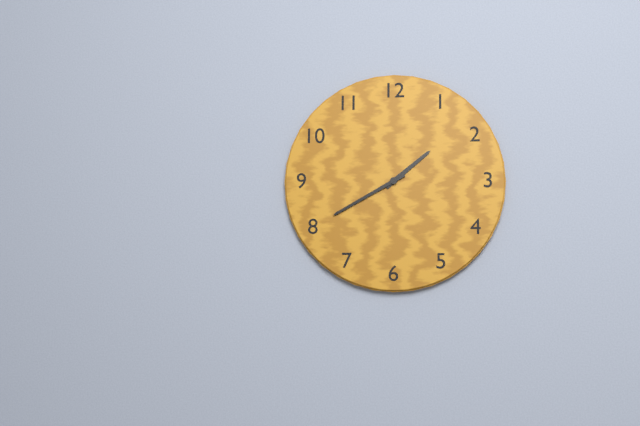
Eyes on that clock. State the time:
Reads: 1:40
